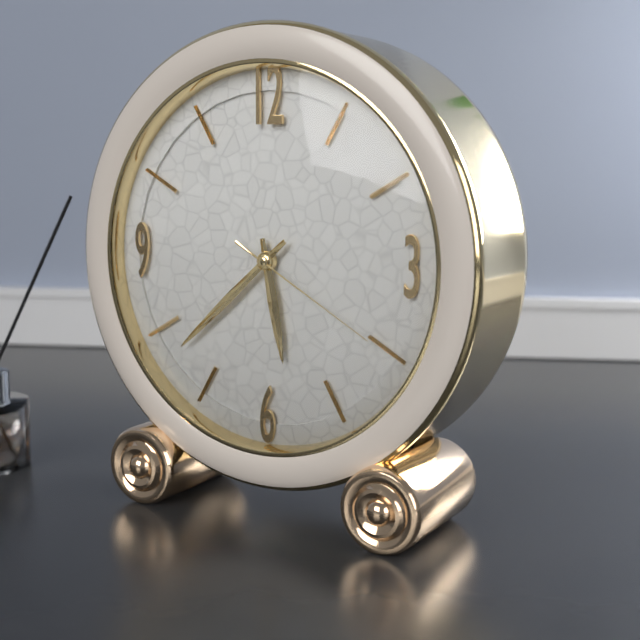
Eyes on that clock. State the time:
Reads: 5:38:20
